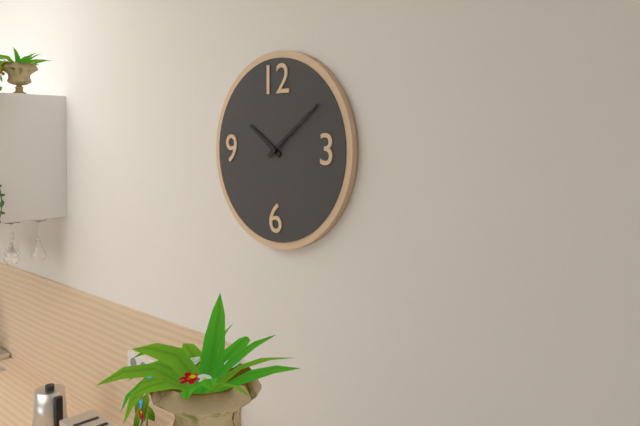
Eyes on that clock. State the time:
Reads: 10:09
